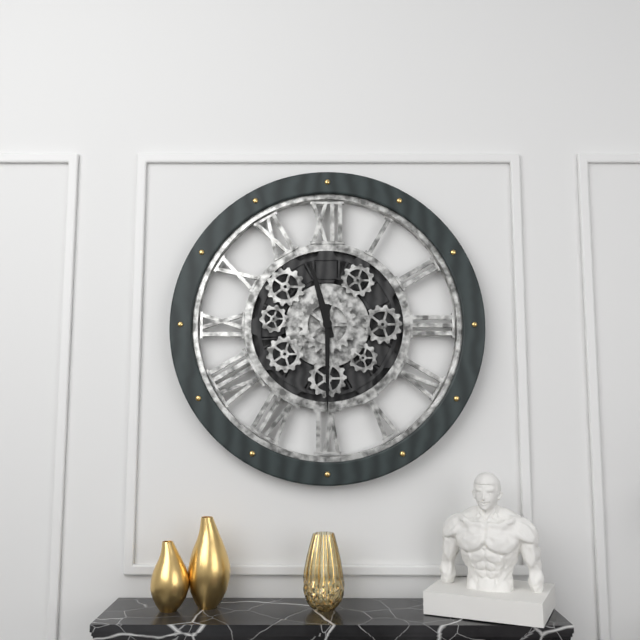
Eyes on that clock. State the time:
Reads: 11:30
